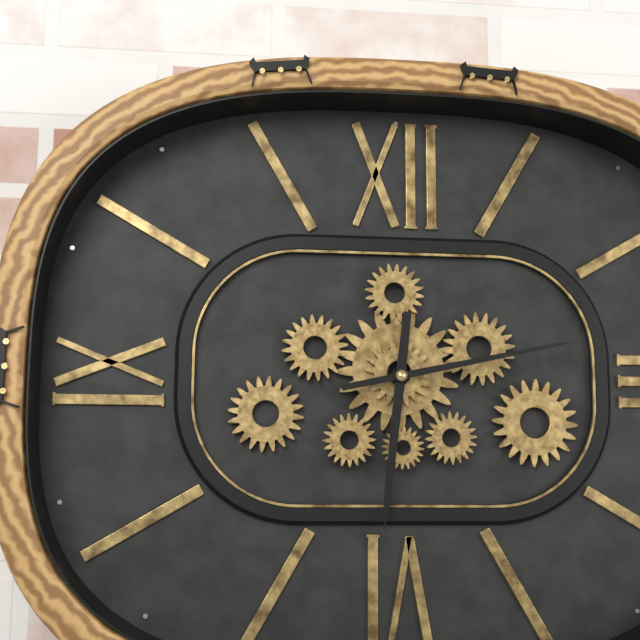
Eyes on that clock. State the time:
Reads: 6:13
